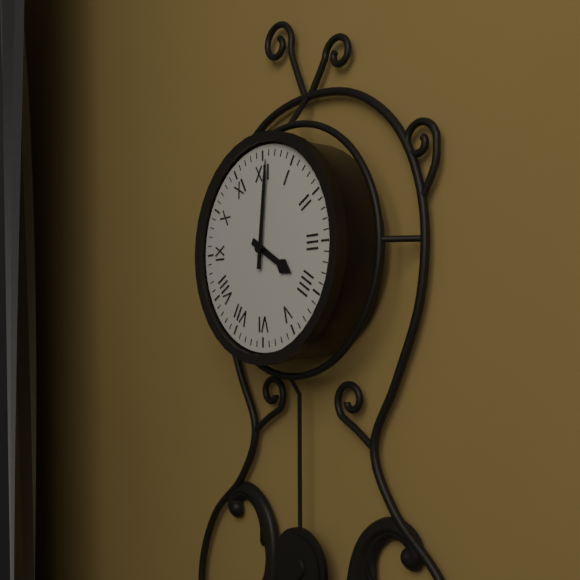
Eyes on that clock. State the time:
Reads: 4:01
